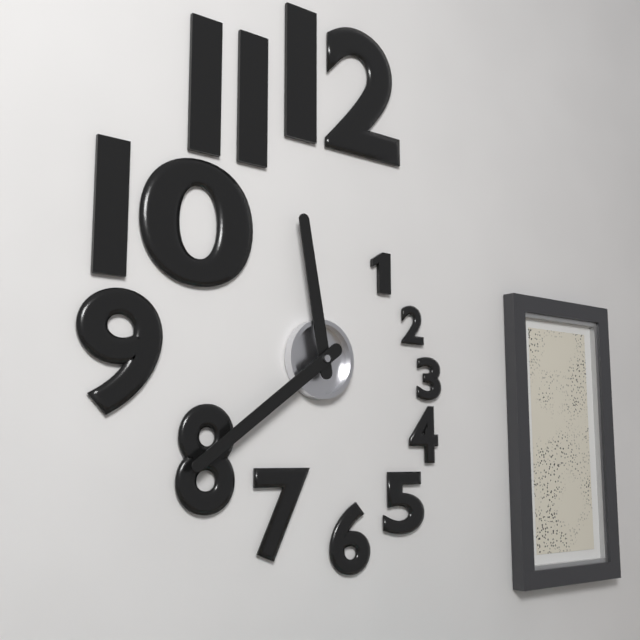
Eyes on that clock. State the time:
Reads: 11:39
